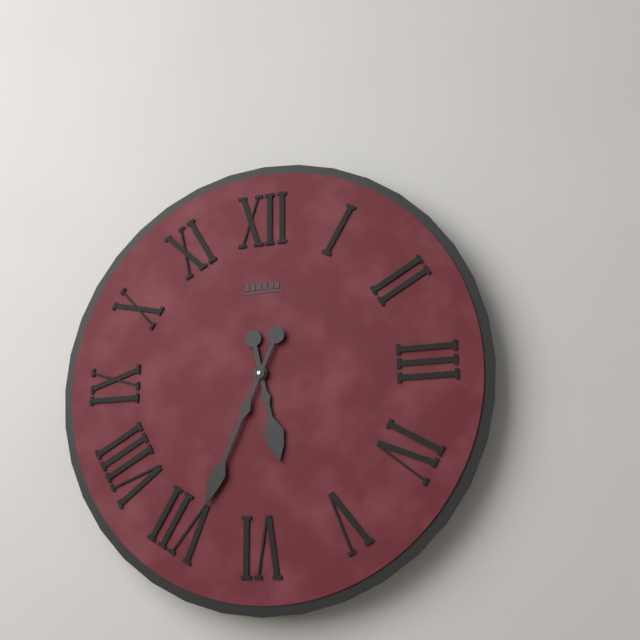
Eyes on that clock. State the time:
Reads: 5:34
